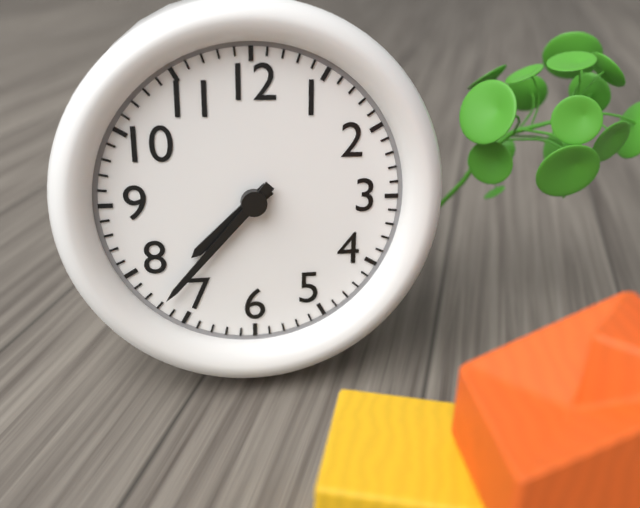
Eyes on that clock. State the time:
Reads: 7:37
